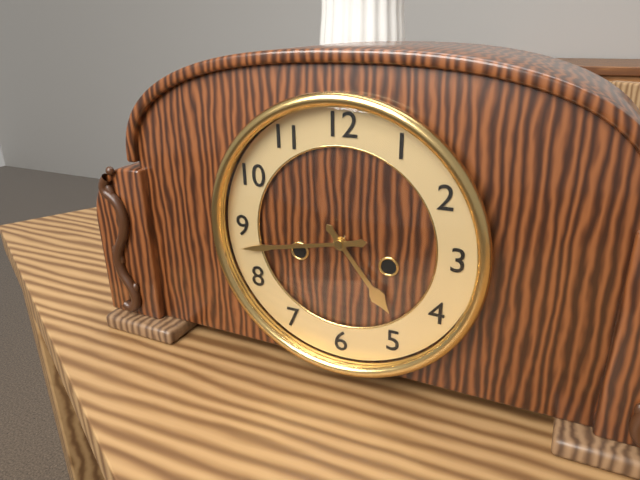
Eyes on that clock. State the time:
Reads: 4:43
